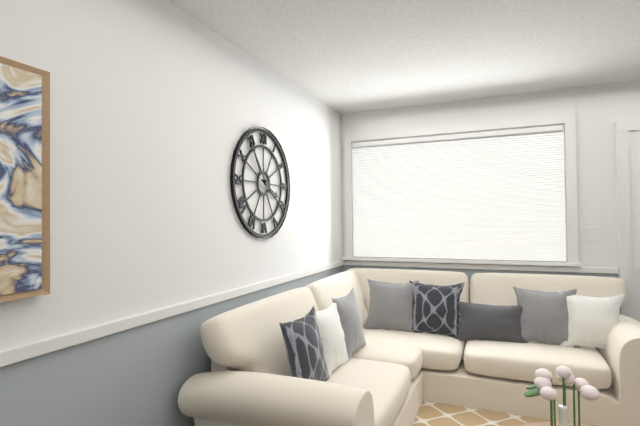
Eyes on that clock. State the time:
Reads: 3:54
